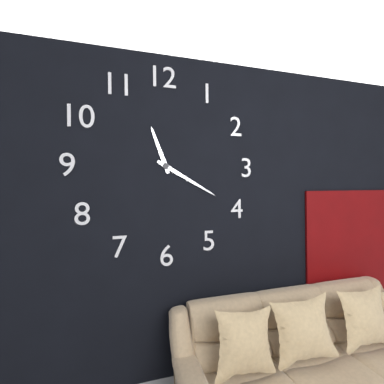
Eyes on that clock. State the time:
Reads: 11:20
